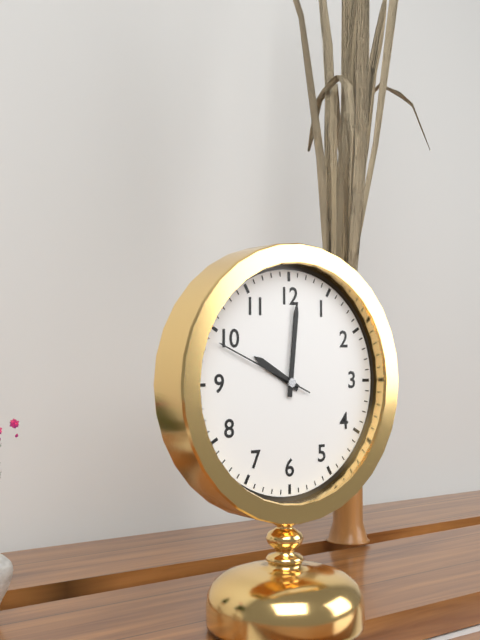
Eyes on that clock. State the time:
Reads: 10:01:49
